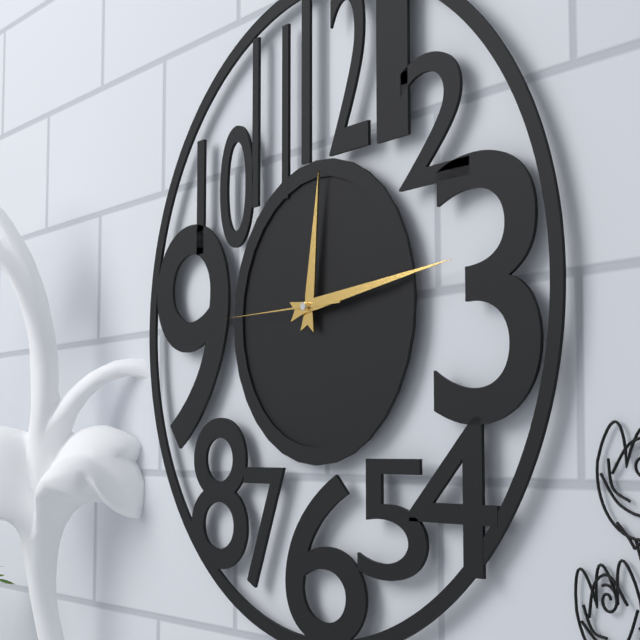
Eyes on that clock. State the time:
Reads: 12:14:45
